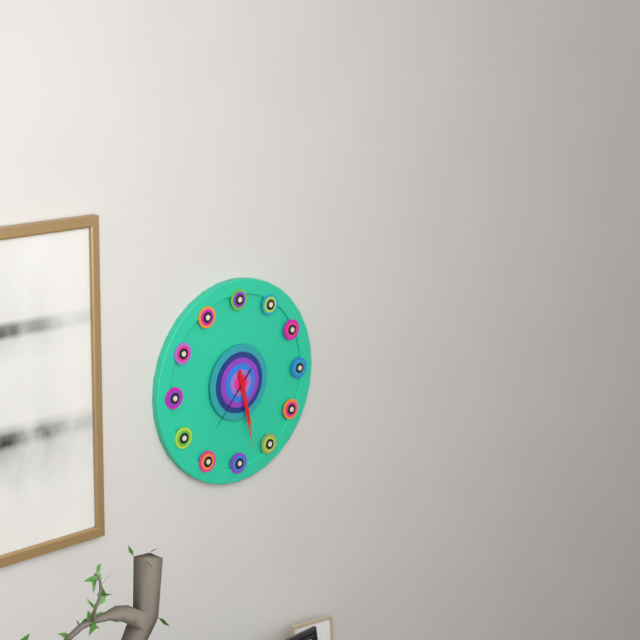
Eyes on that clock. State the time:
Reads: 5:28:37
